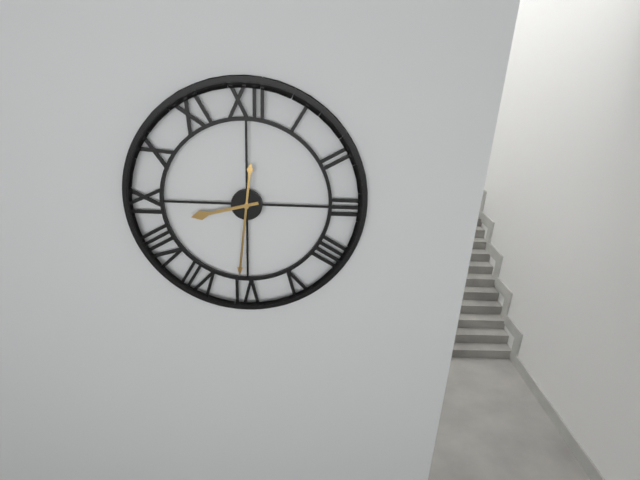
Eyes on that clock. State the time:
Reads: 8:31
